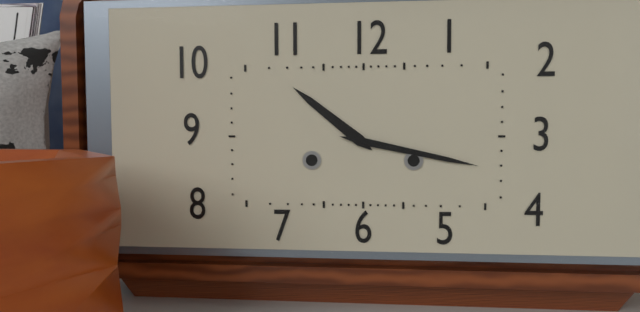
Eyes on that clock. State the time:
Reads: 10:17
